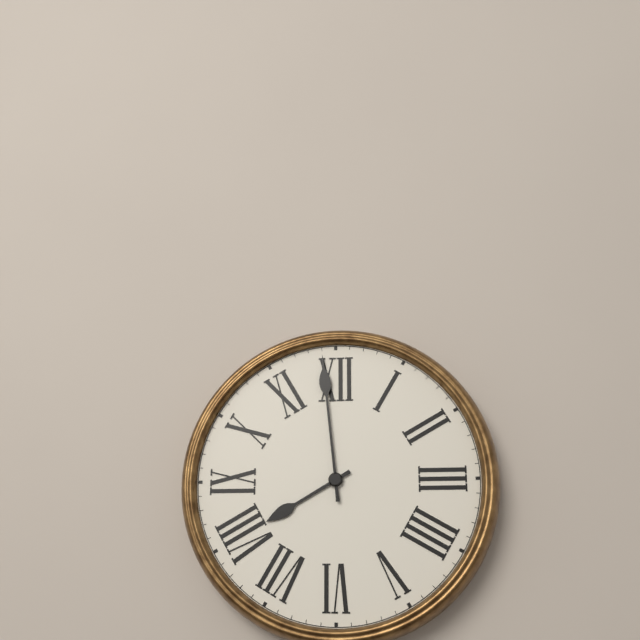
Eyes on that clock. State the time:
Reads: 7:59
